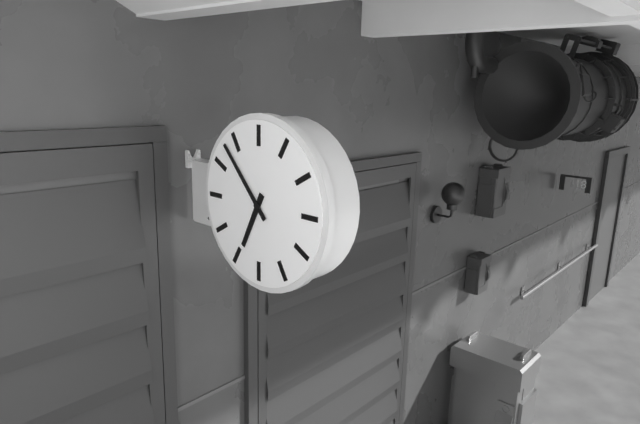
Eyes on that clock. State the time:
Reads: 6:53
